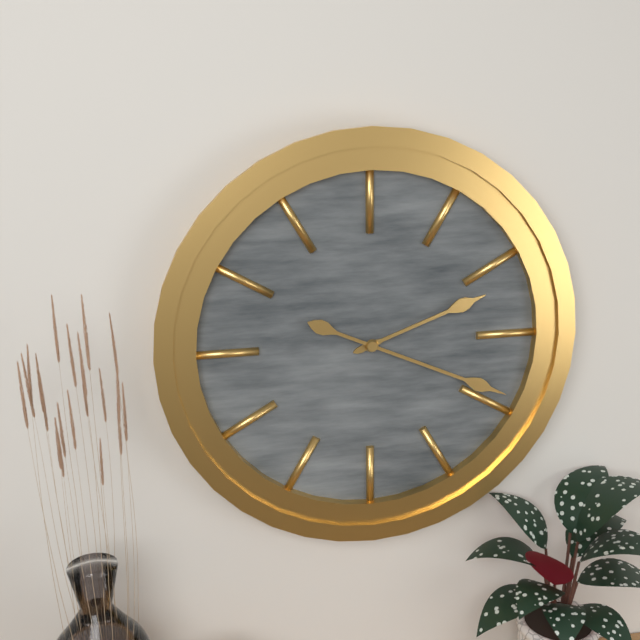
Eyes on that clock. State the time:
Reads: 2:19
